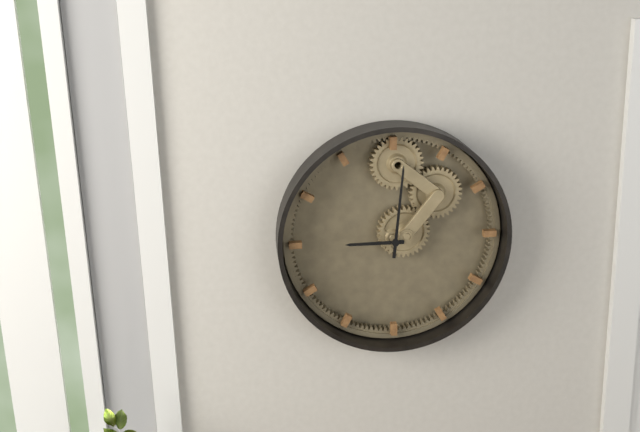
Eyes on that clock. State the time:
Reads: 9:01
